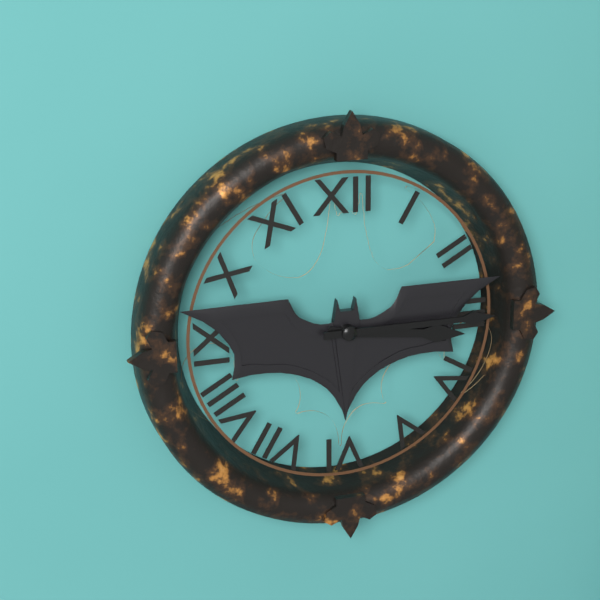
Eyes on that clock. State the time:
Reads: 3:15
